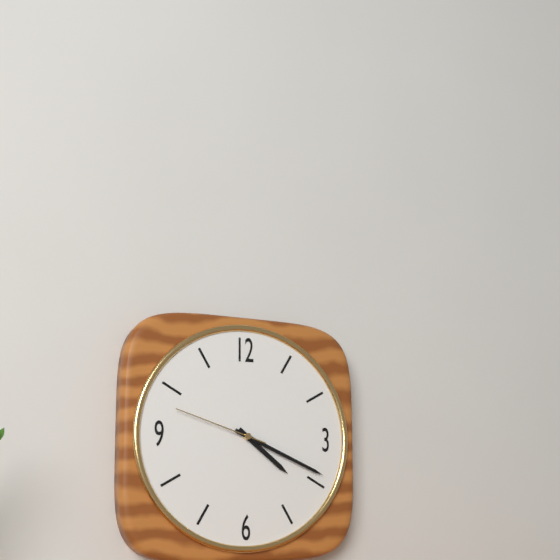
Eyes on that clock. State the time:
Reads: 4:19:48
